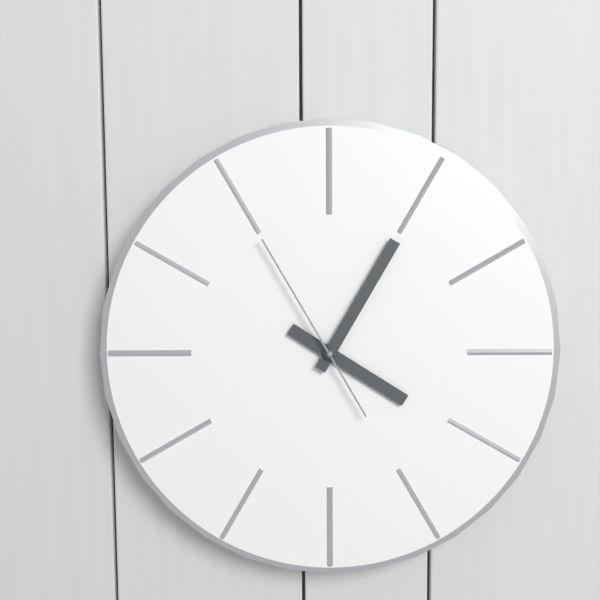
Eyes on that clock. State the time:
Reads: 4:05:55
